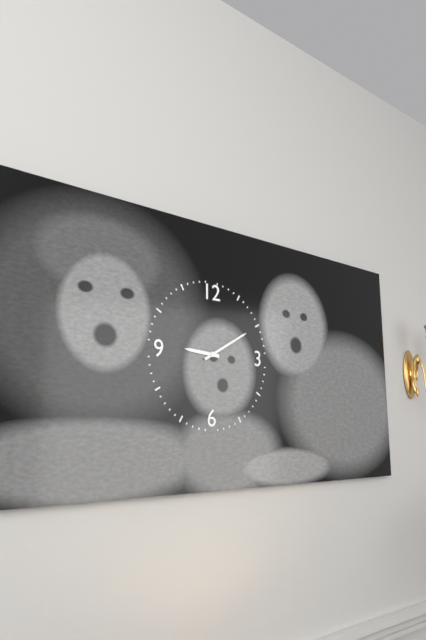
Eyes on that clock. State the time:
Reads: 9:10
